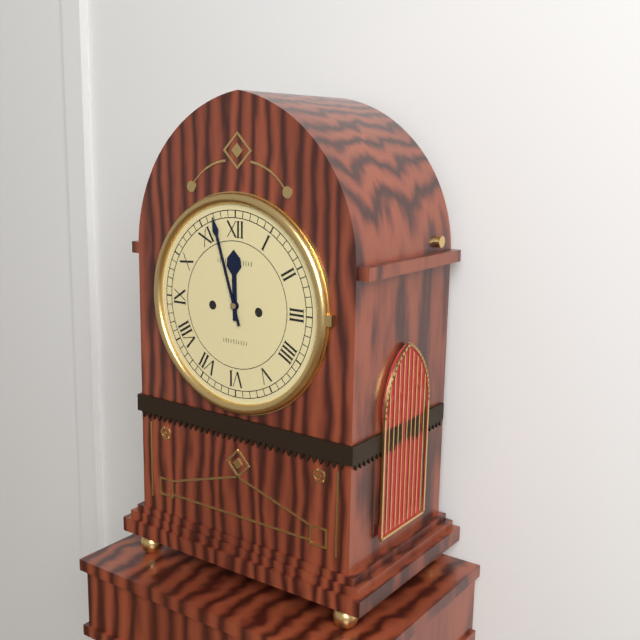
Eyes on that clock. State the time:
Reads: 11:57
